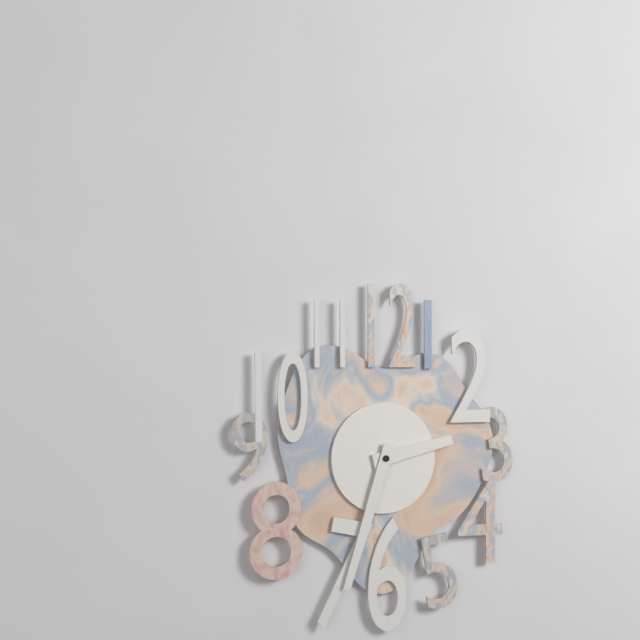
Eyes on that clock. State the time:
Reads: 2:33
